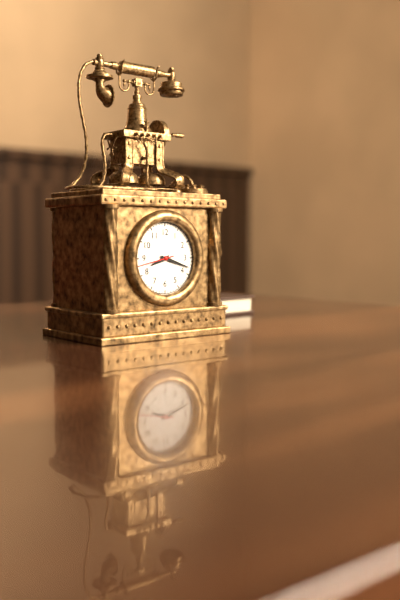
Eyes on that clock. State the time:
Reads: 8:18
